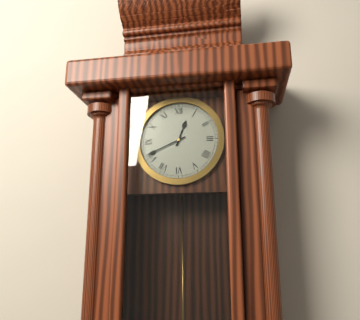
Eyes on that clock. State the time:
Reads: 12:41
